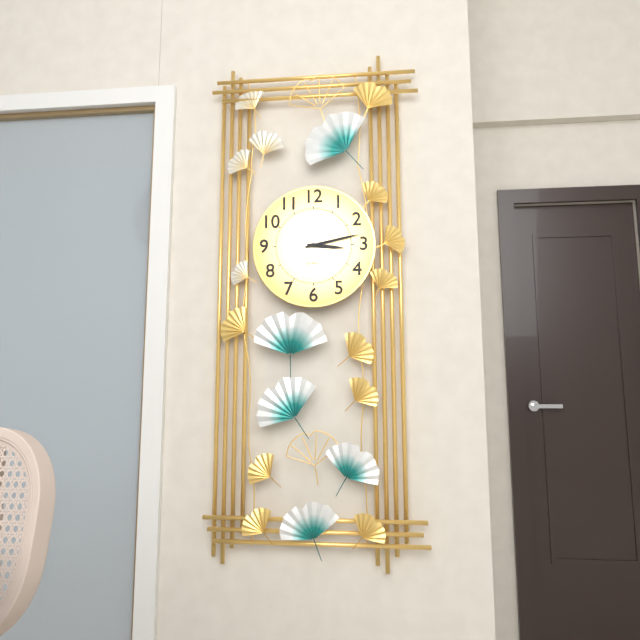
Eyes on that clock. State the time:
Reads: 3:13
